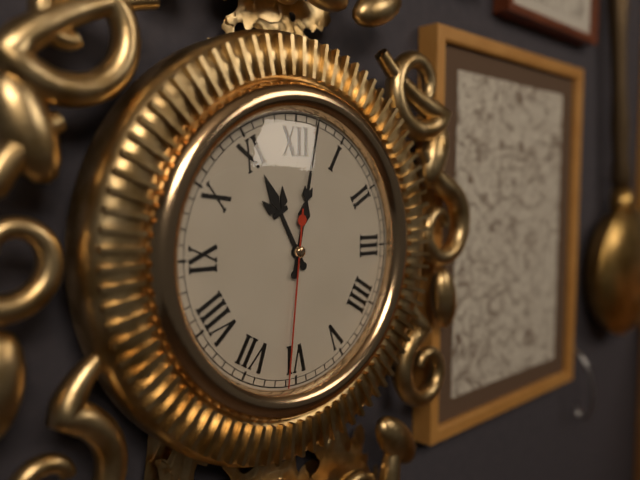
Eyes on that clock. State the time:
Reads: 11:02:31
